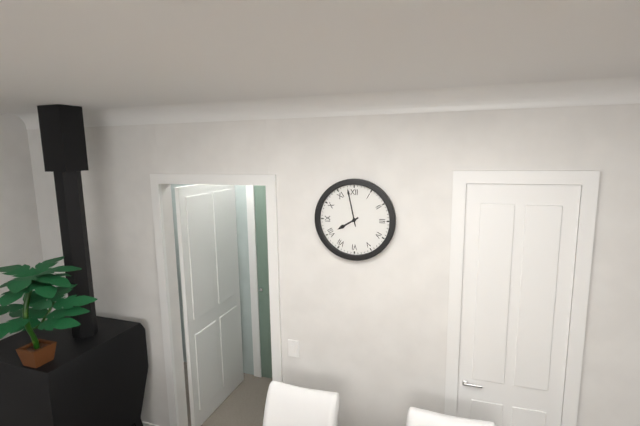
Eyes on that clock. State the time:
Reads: 7:58
